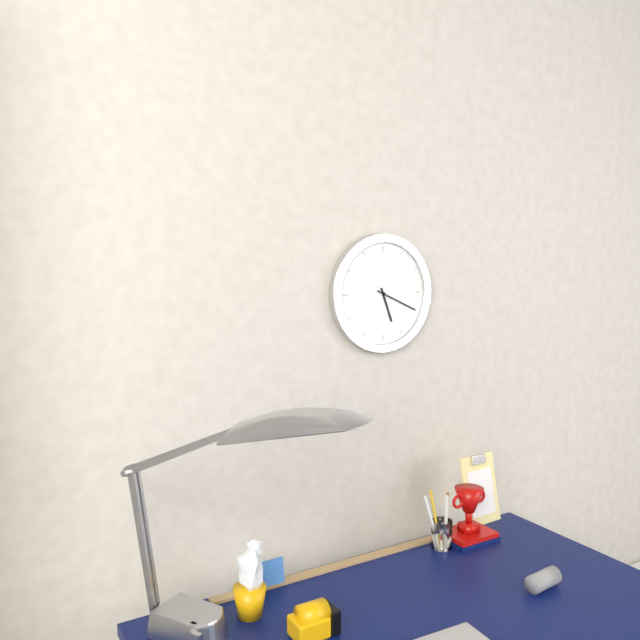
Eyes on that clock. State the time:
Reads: 5:19
